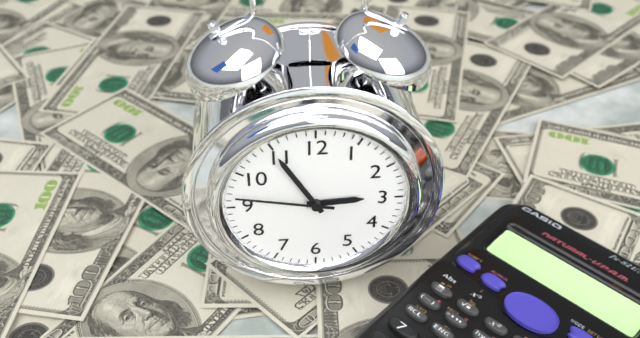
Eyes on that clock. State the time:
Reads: 2:55:47
